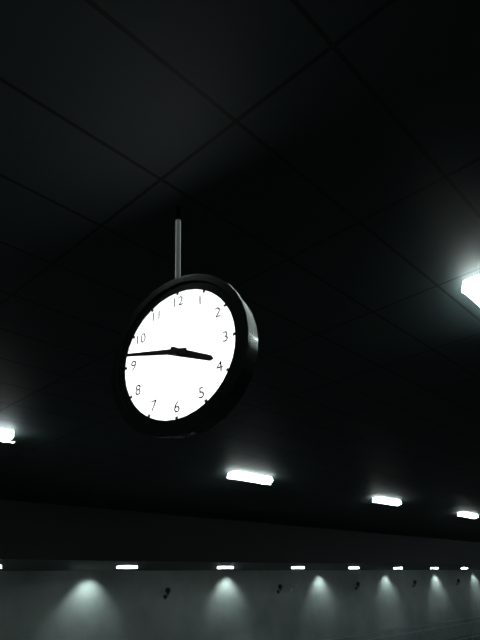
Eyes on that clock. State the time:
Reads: 3:47
